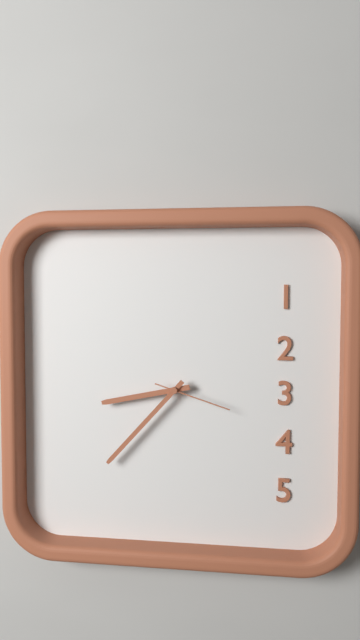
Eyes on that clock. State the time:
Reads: 8:37:18
